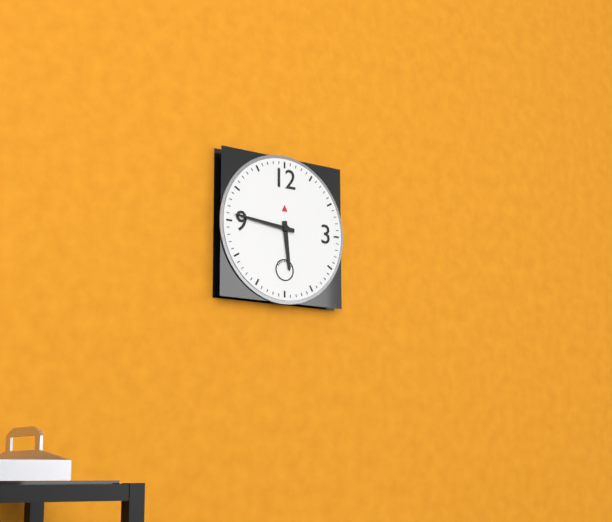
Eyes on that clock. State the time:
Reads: 5:46
